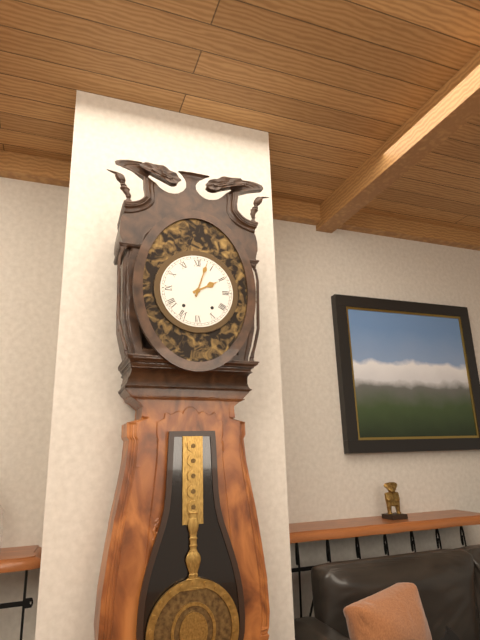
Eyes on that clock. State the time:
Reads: 2:03
